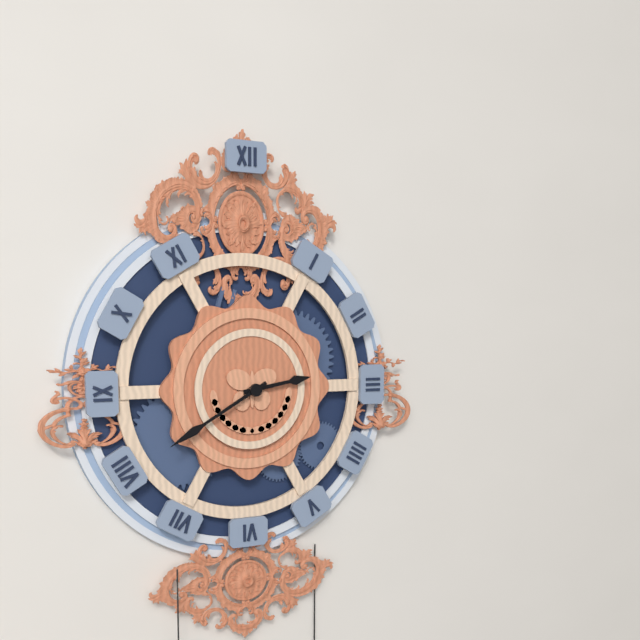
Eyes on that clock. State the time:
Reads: 2:40
